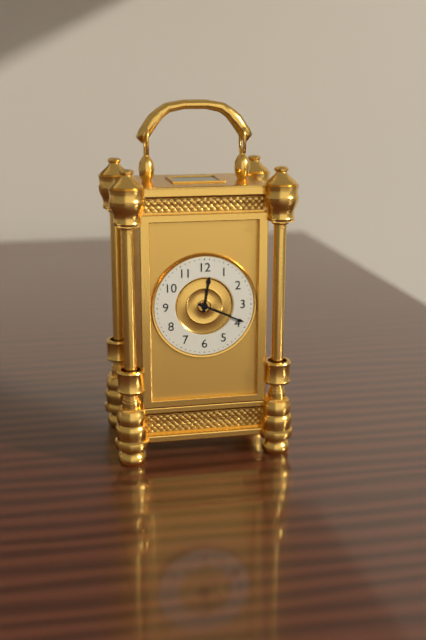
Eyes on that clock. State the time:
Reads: 12:19
